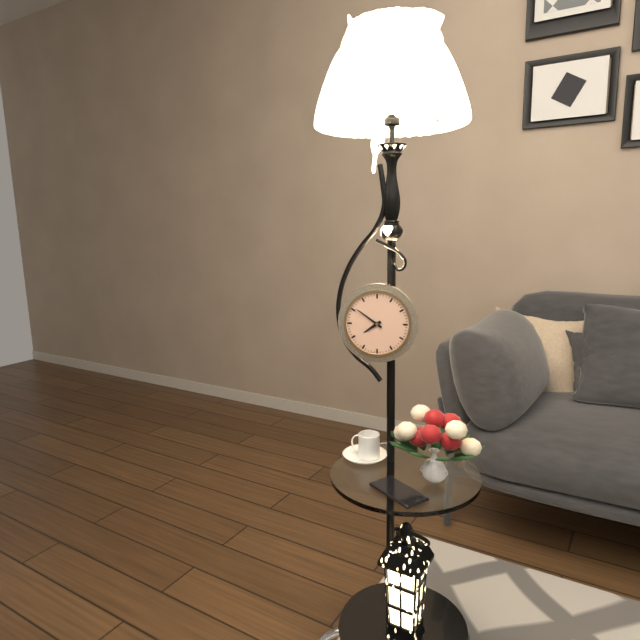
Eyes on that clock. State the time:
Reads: 7:51
